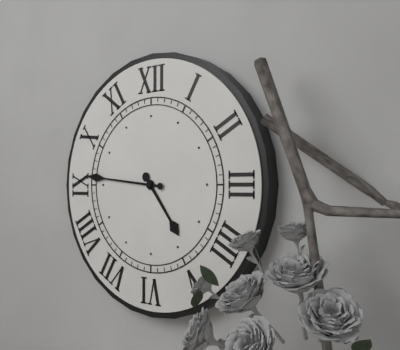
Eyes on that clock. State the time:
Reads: 4:46
